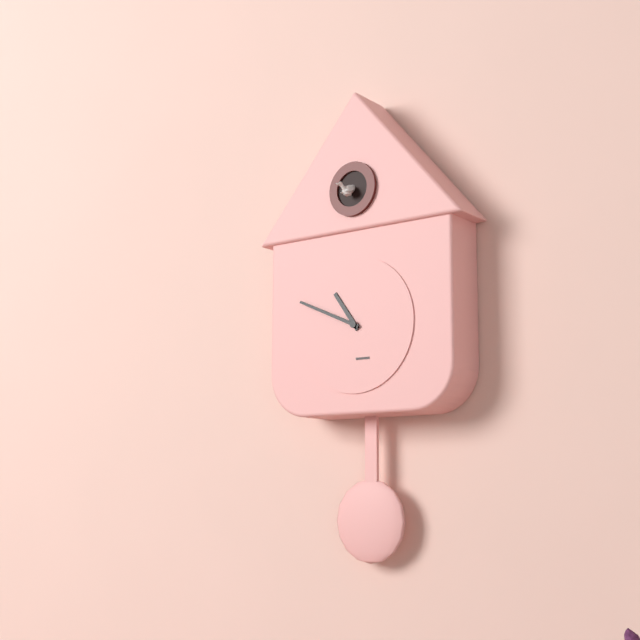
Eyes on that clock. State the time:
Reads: 10:49
